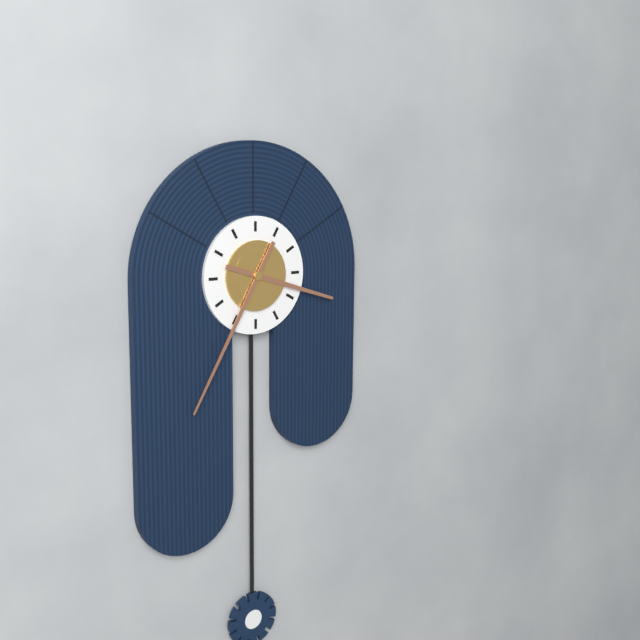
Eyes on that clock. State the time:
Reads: 3:35
